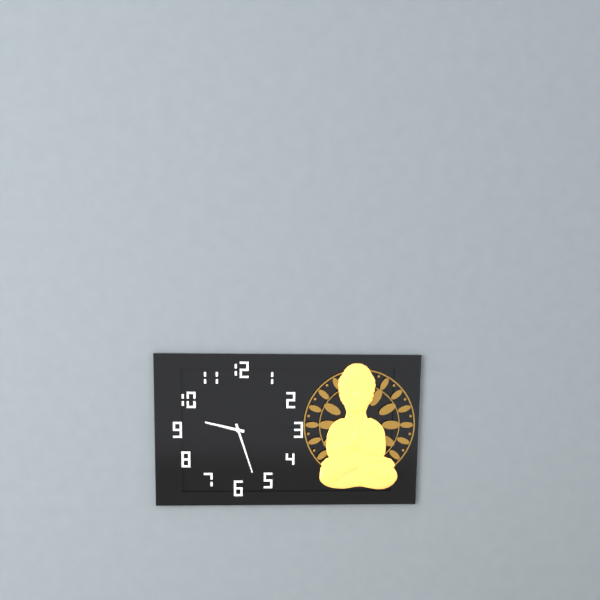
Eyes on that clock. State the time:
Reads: 9:27
